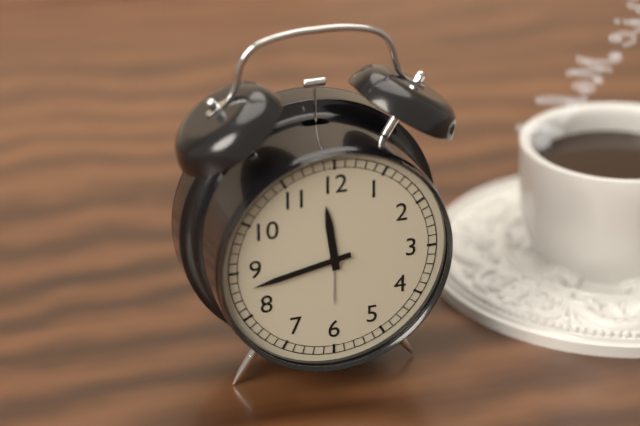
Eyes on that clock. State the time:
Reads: 11:43
